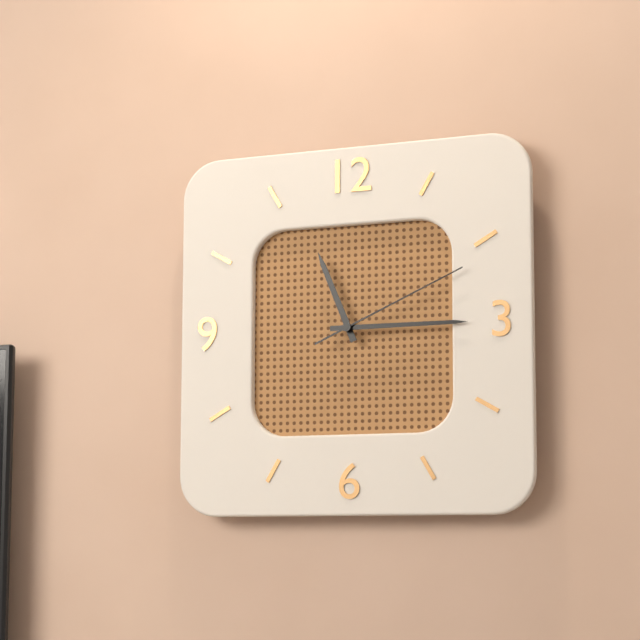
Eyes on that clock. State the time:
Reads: 11:15:11
